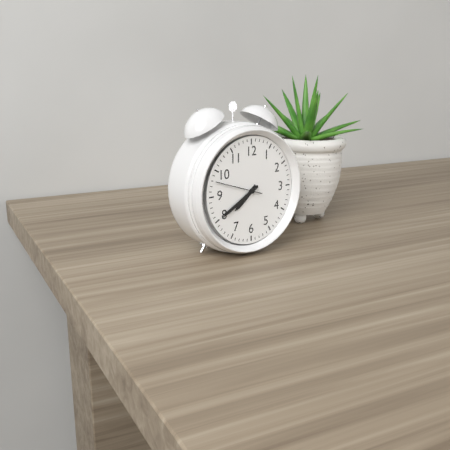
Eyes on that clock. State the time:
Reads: 7:40
